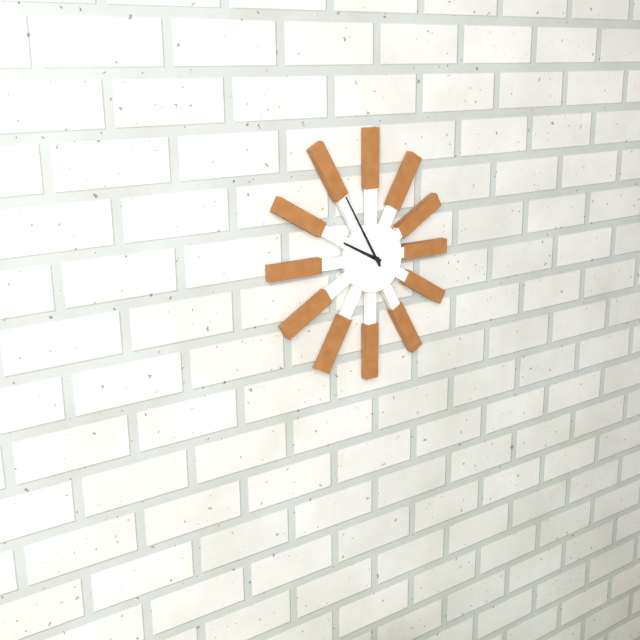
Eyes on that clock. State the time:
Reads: 9:55
